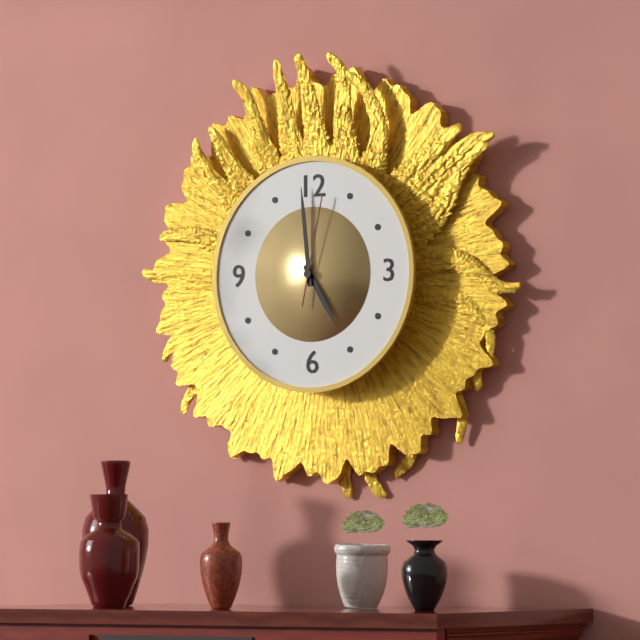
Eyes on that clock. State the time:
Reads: 4:59:02
